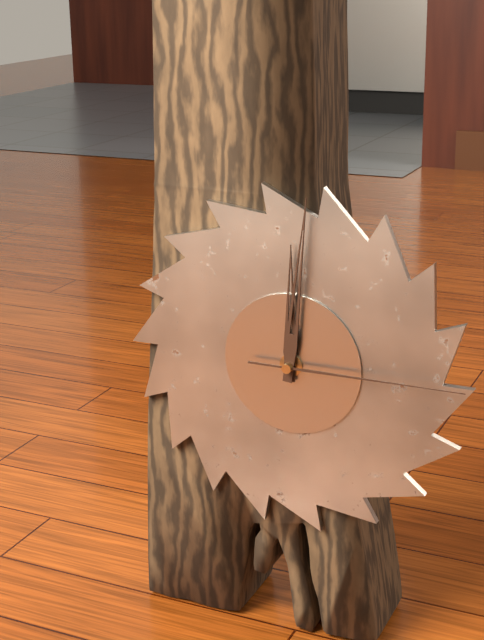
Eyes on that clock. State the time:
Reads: 12:01:15
